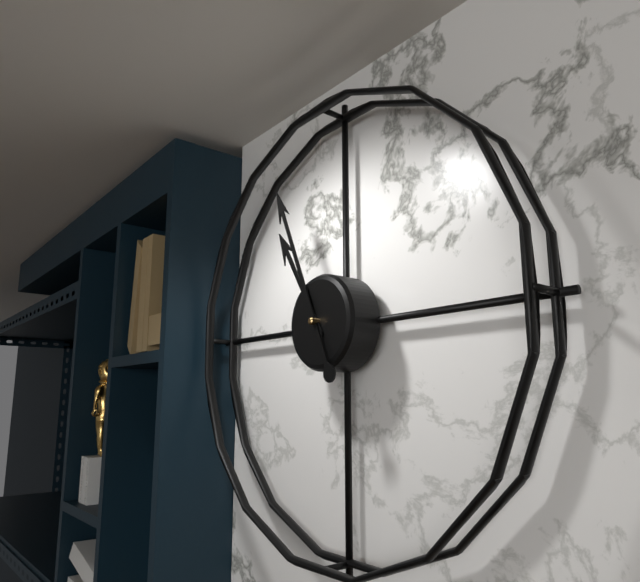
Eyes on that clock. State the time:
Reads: 10:56
